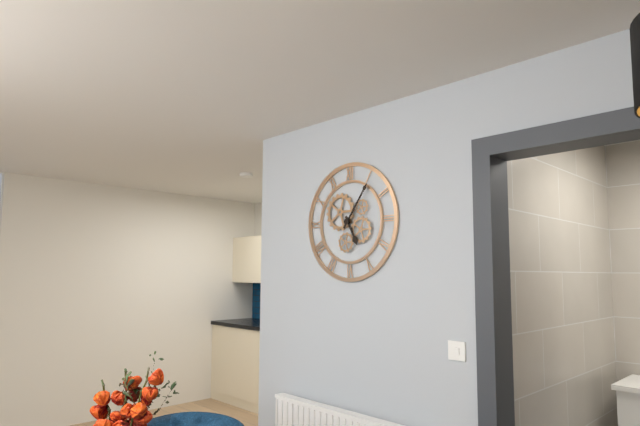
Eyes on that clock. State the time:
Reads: 5:06
